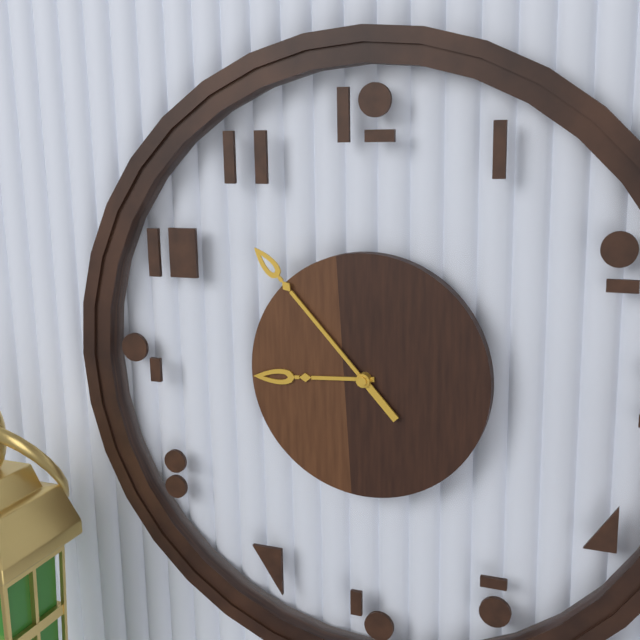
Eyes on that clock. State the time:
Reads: 8:53
